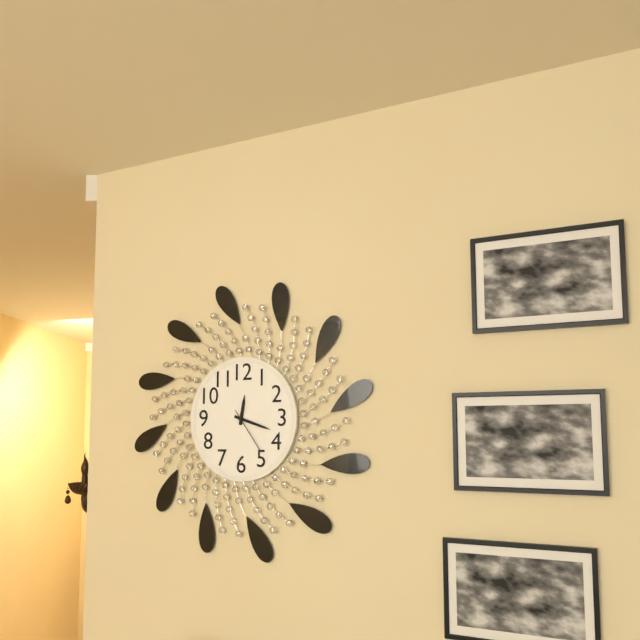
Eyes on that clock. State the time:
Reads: 12:18:24
